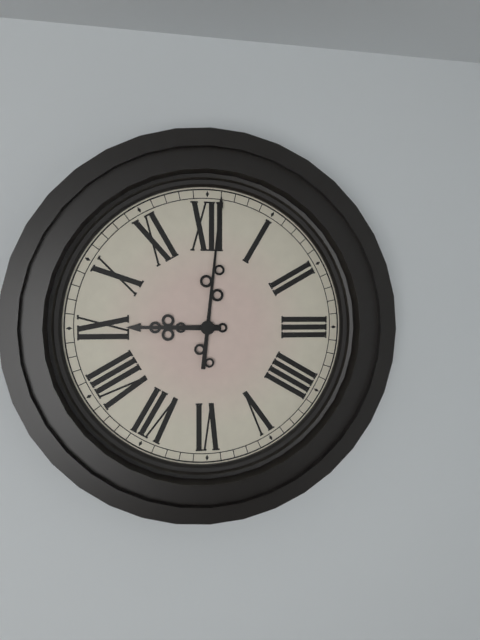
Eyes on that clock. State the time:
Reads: 9:01
